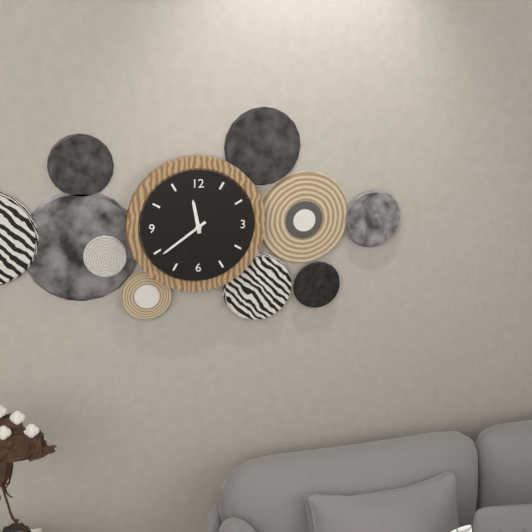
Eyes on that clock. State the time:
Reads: 11:39
